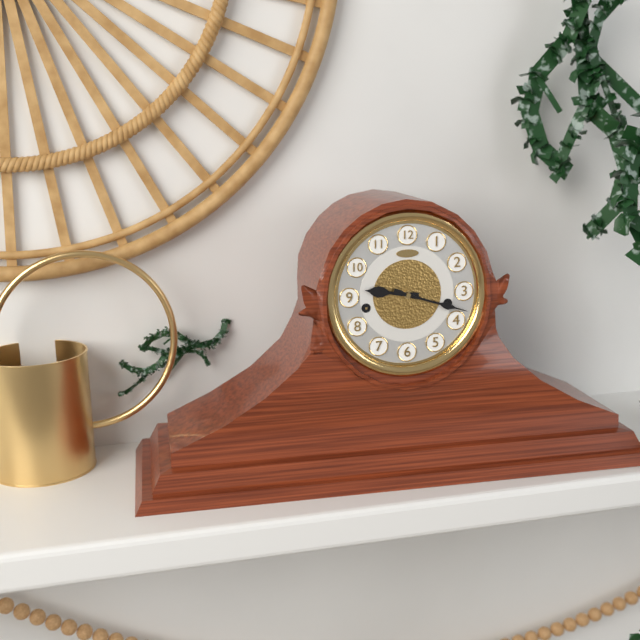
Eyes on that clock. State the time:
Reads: 9:18
